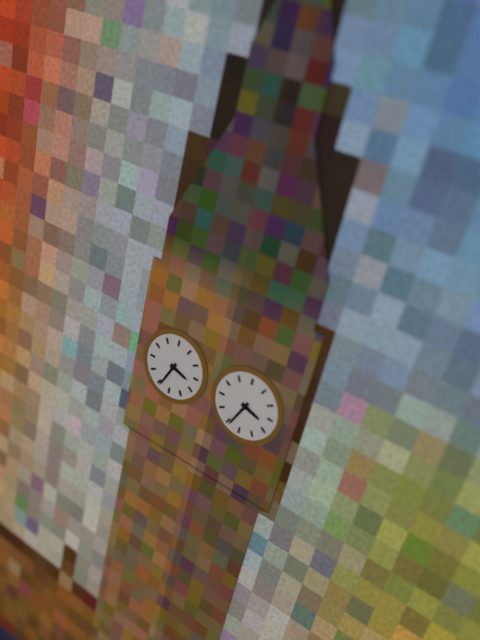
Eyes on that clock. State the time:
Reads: 3:34
